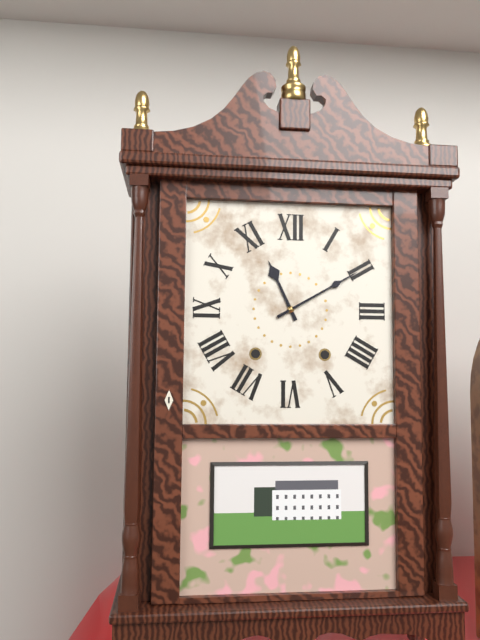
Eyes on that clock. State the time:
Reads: 11:10
